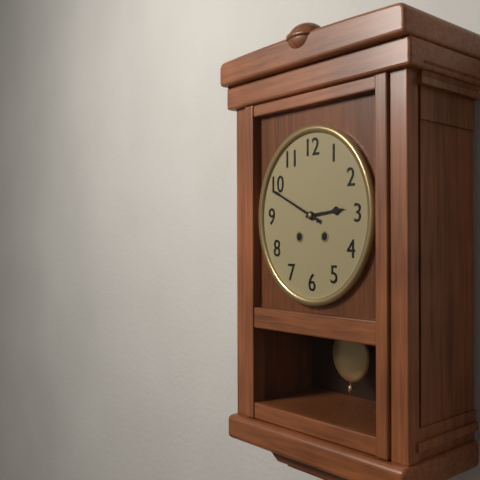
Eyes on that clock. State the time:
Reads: 2:49
